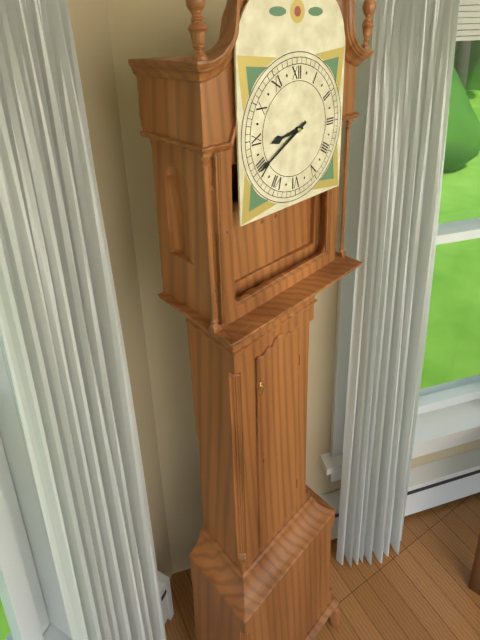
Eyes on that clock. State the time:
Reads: 8:40
